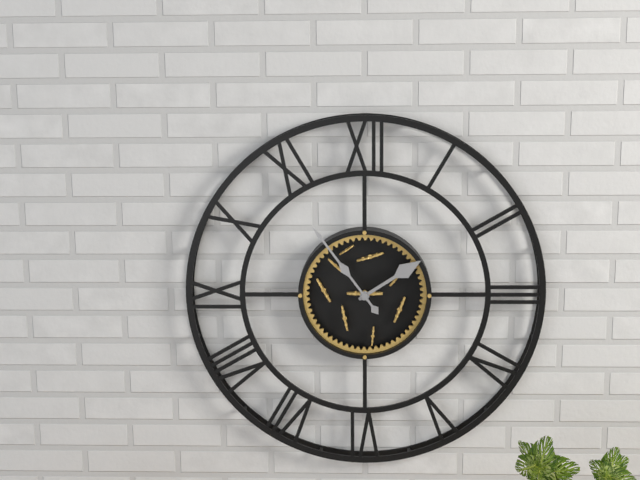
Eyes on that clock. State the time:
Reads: 1:54
